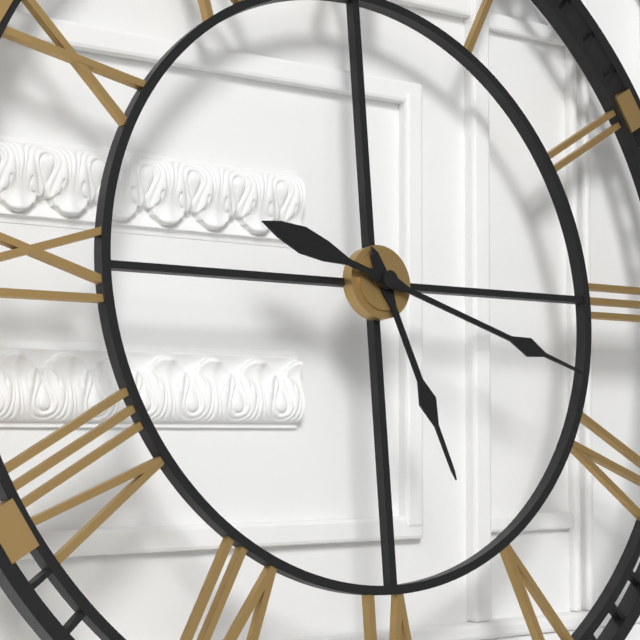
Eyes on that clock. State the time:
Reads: 5:18
